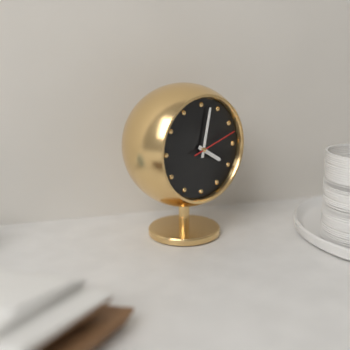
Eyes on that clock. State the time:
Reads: 4:02
